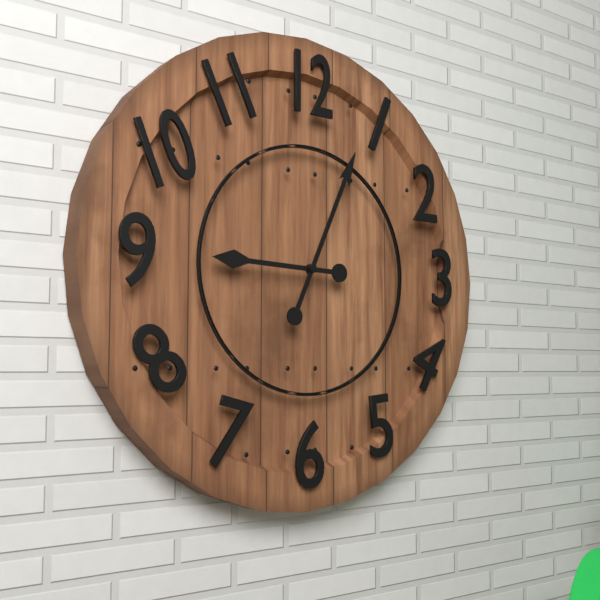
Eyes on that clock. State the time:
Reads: 9:04
